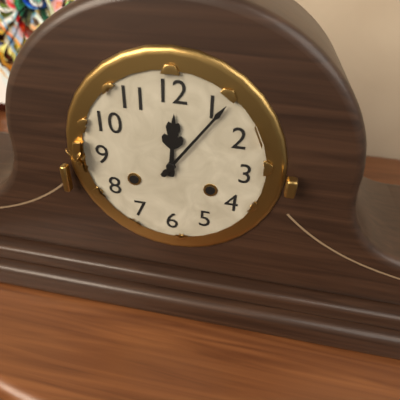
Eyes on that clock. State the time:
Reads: 12:06
